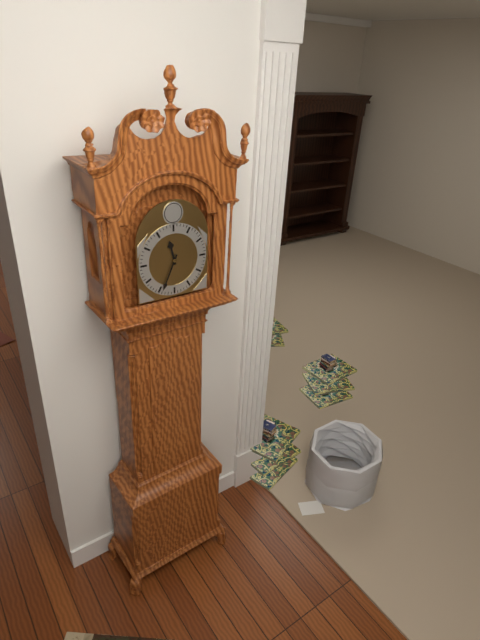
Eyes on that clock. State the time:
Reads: 11:34
